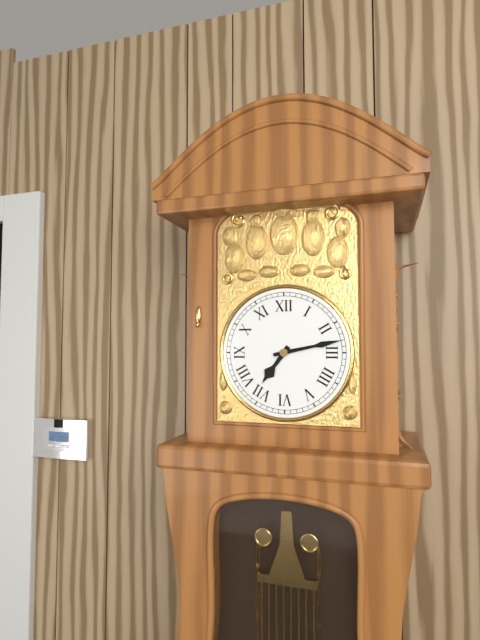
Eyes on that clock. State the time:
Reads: 7:13
